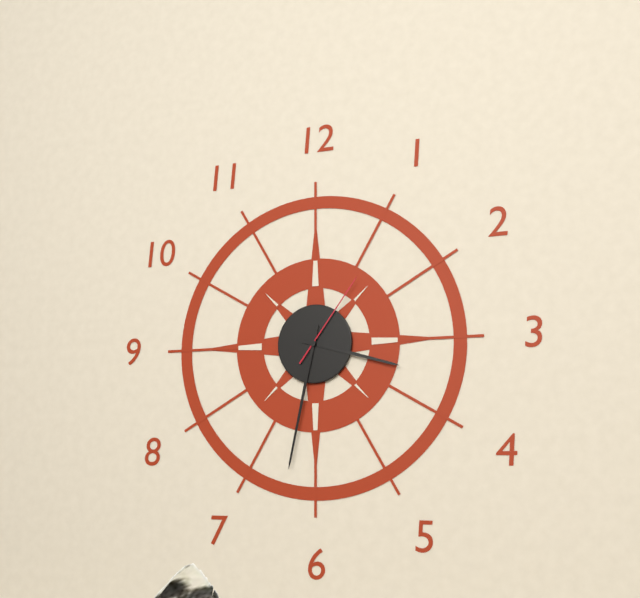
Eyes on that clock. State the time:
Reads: 3:32:06
